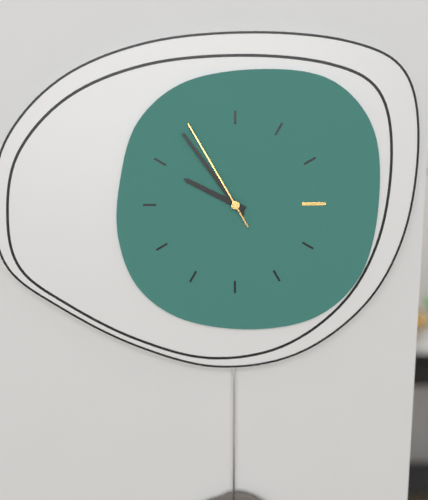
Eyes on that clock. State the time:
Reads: 9:54:55
